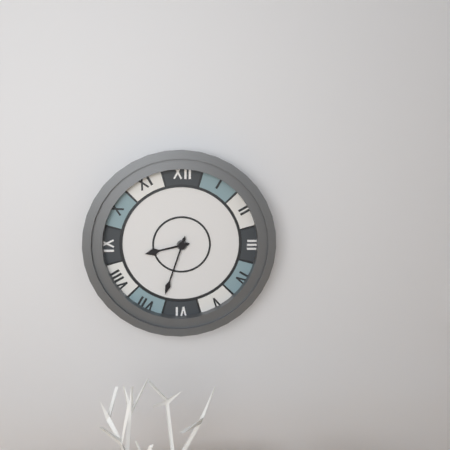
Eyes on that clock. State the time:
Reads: 8:33
